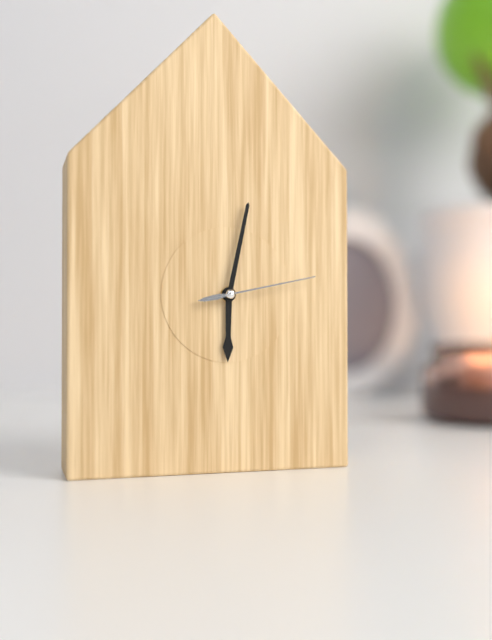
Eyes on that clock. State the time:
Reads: 6:02:13
